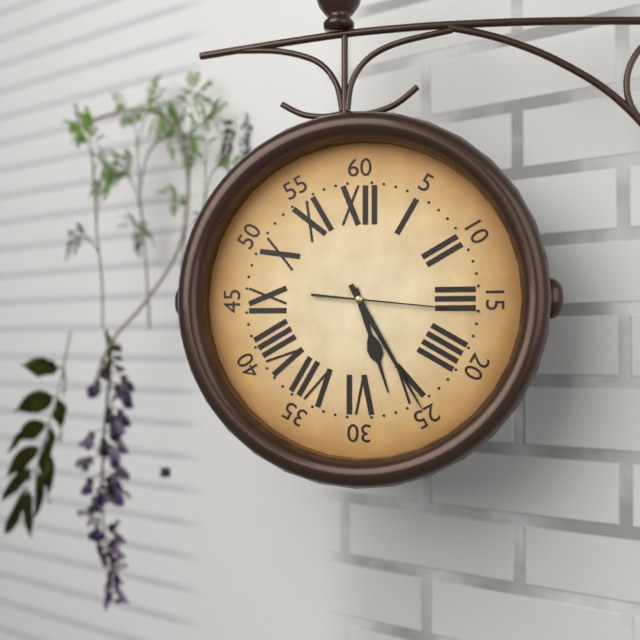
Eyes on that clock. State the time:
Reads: 5:25:16
